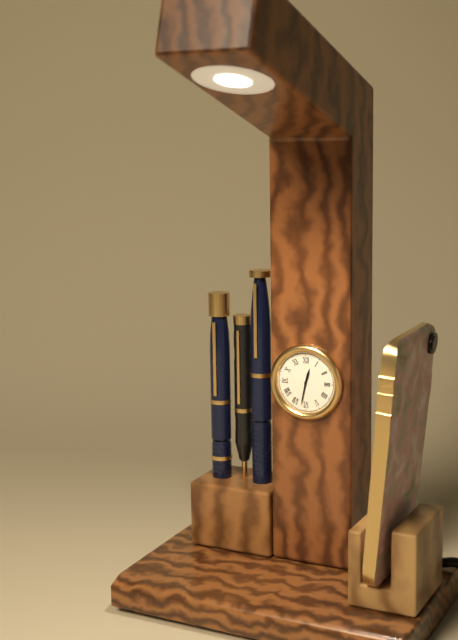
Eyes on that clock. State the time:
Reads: 12:32
